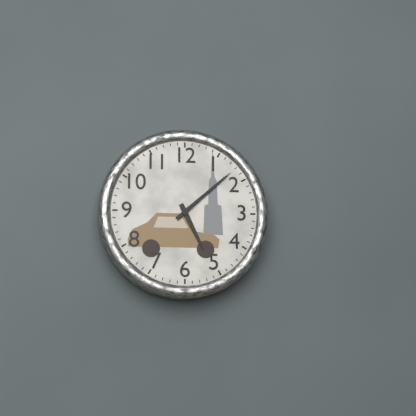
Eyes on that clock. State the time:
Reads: 5:08
